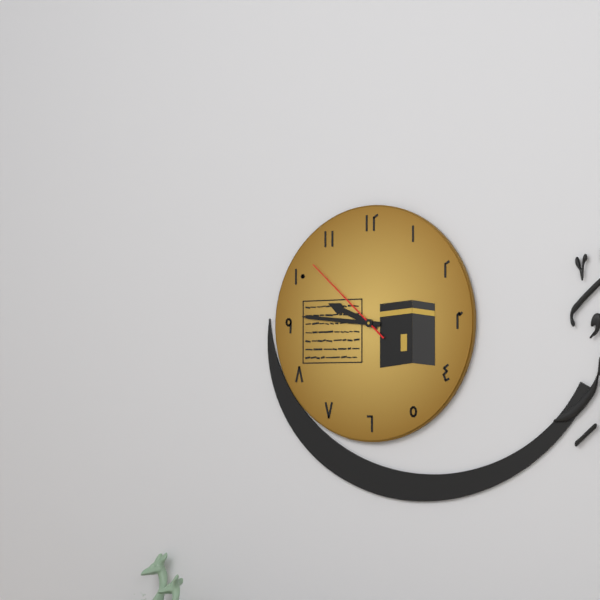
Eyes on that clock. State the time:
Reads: 9:46:52
